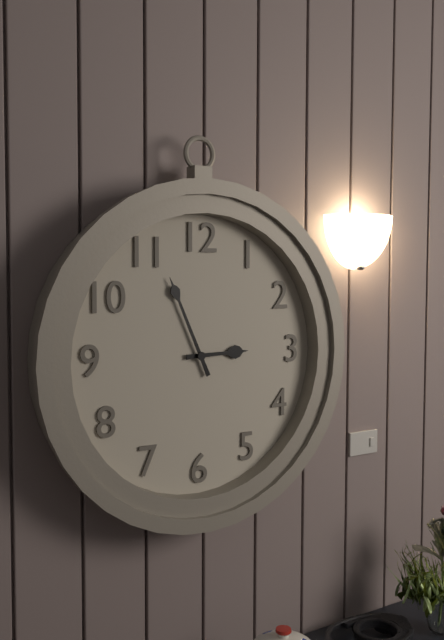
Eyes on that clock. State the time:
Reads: 2:56
